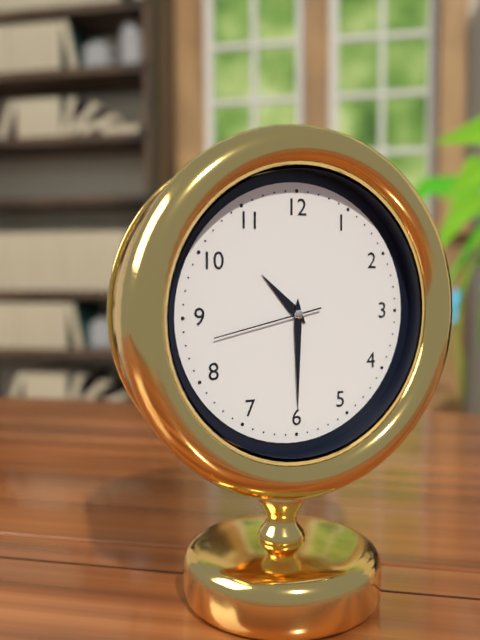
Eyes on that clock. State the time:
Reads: 10:30:43
